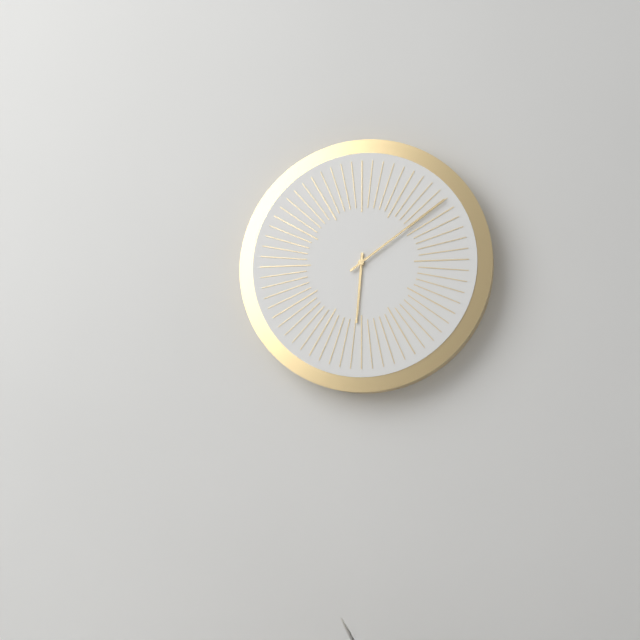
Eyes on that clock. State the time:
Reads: 6:09
